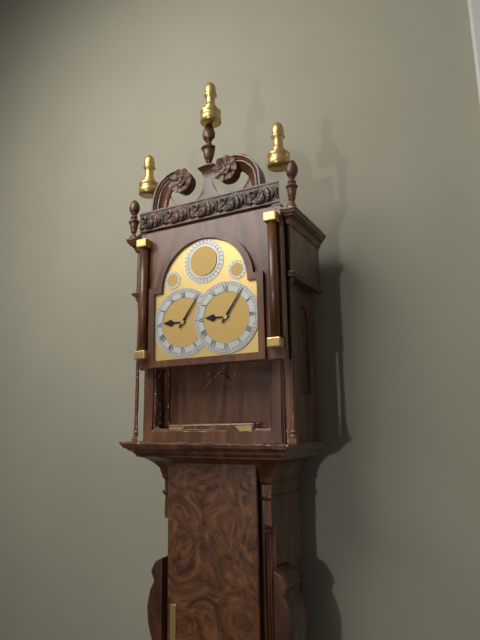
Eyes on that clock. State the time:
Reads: 9:06
